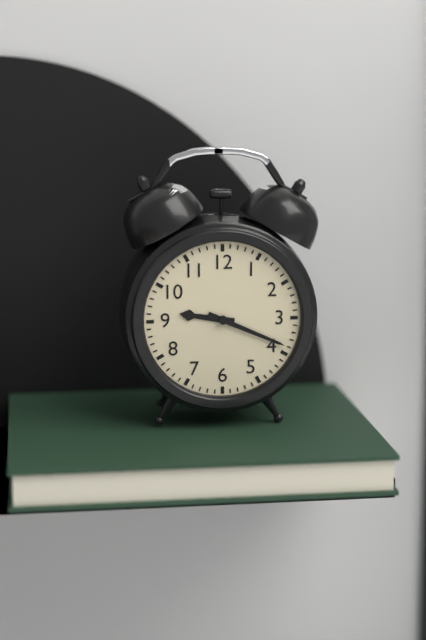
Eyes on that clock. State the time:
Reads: 9:19
